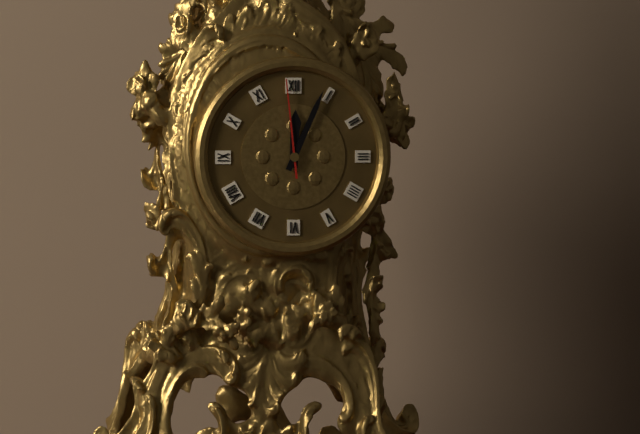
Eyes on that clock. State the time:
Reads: 12:04:59
